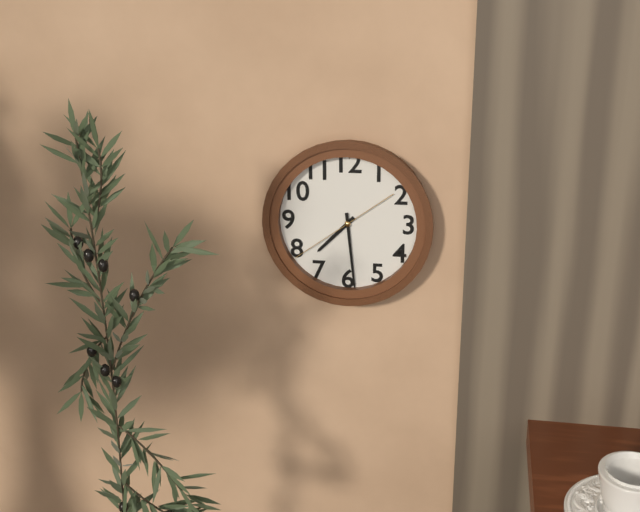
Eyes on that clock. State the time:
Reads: 7:29:39
